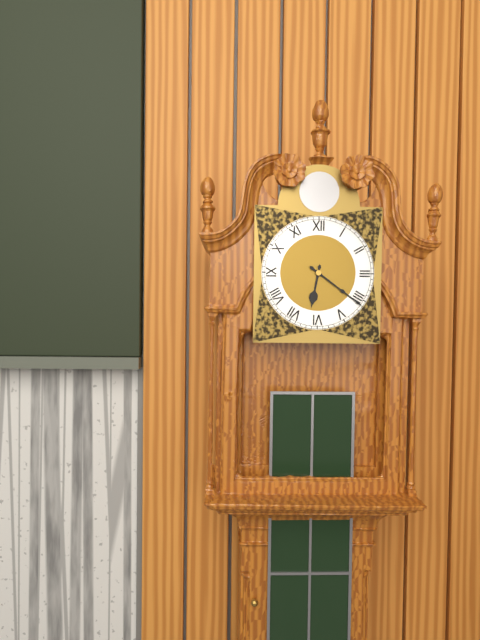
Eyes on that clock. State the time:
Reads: 6:21
